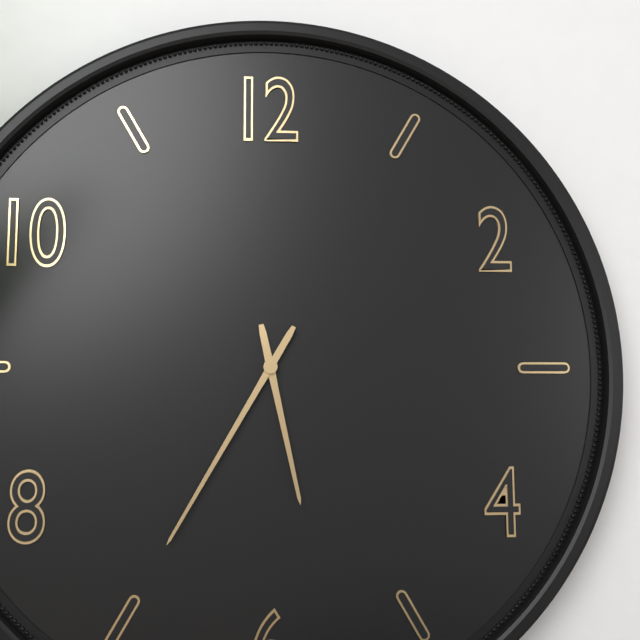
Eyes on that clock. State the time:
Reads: 5:35
